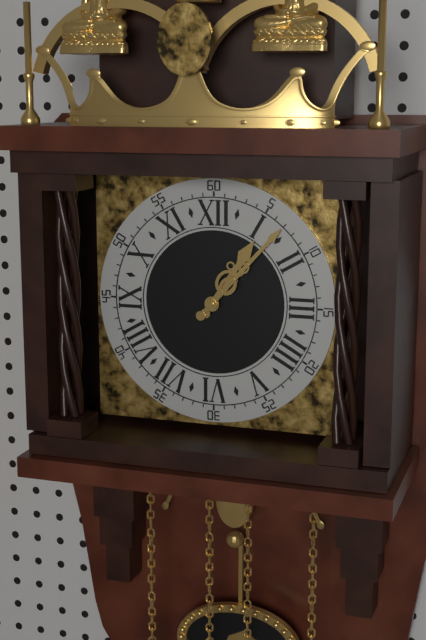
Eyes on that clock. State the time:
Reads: 1:07
